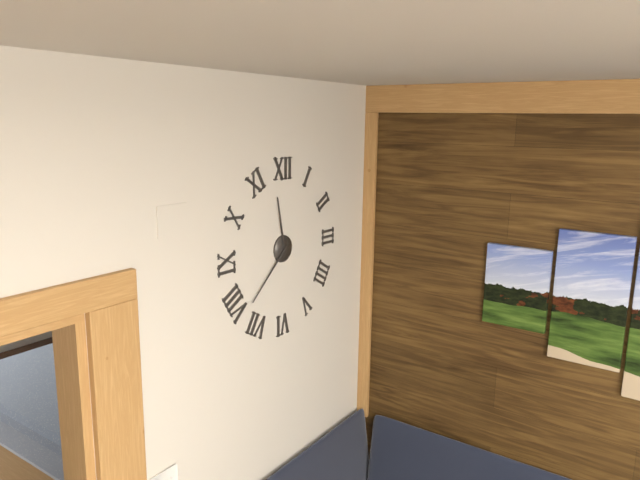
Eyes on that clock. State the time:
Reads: 11:38
